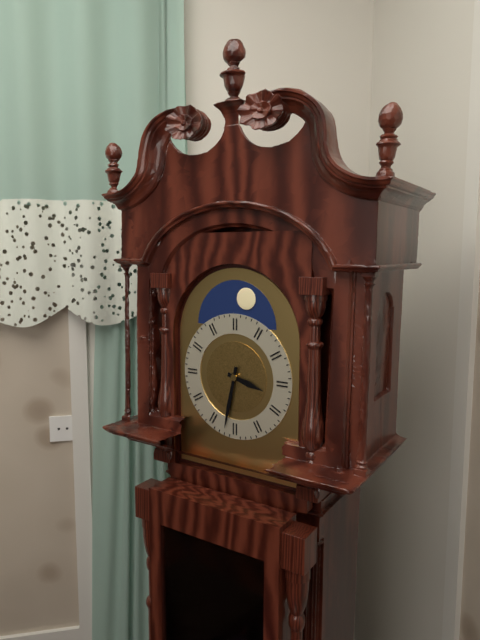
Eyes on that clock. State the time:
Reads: 3:32
